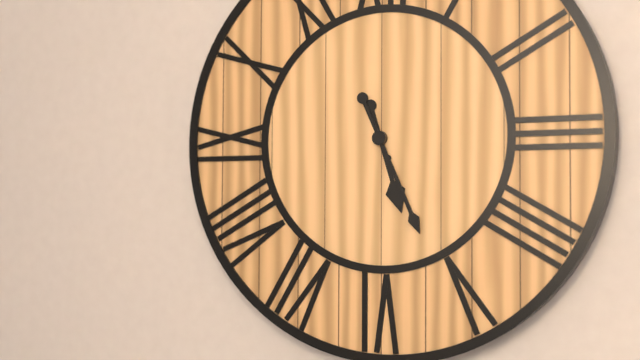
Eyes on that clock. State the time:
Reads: 5:26
